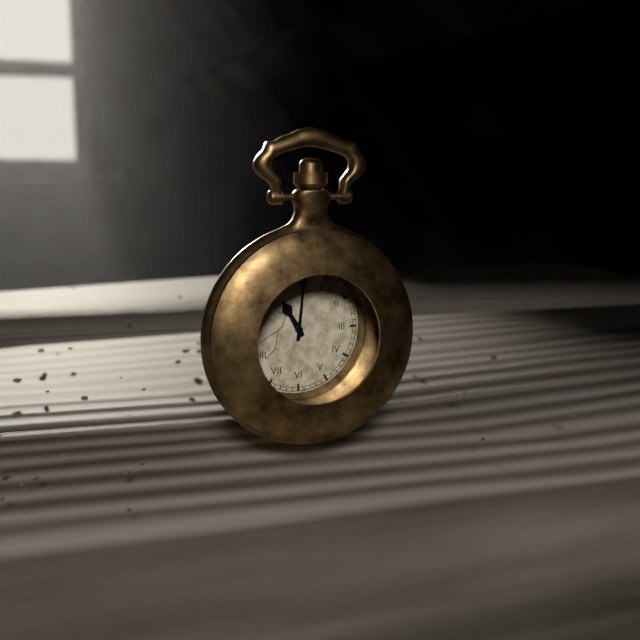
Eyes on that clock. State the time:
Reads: 11:01
